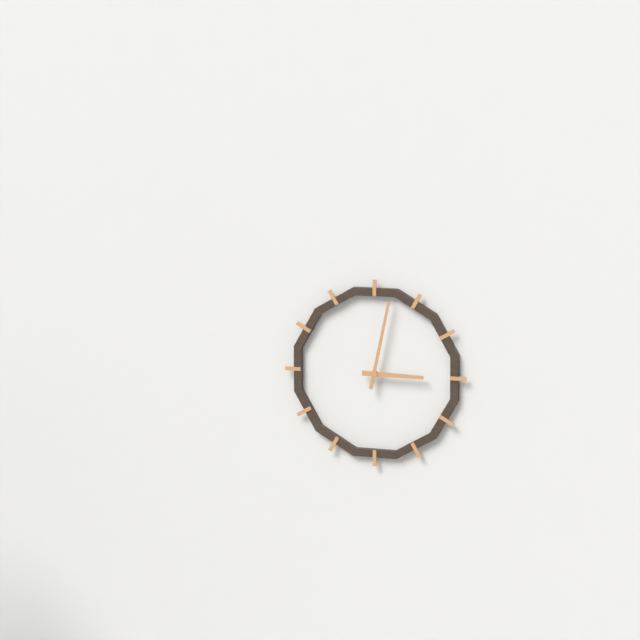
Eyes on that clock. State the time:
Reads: 3:02
